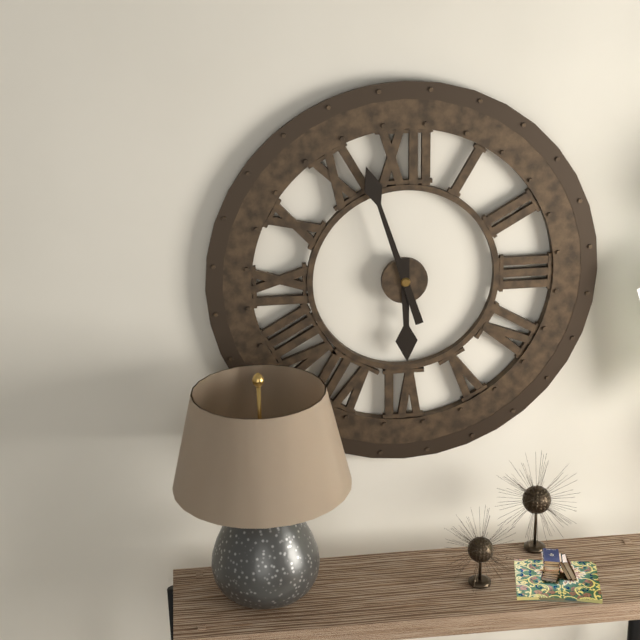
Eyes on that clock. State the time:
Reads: 5:57
